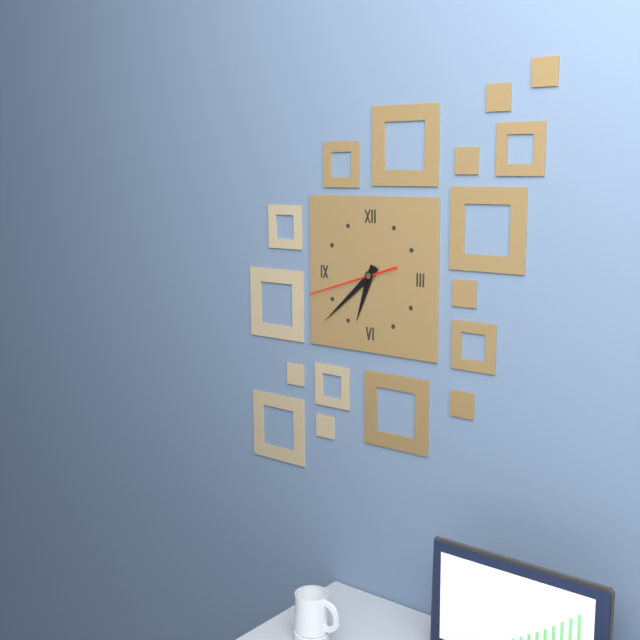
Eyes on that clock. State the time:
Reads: 6:38:42
